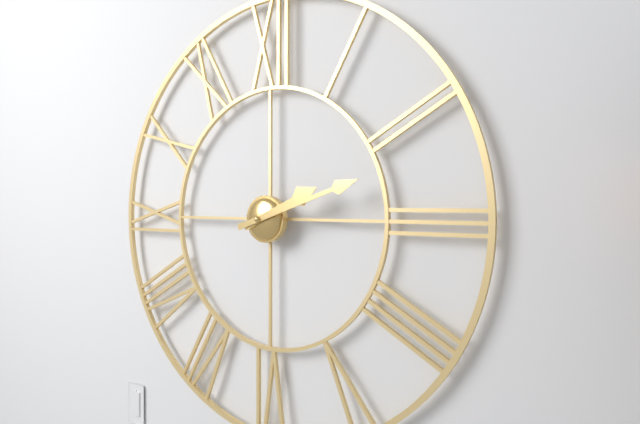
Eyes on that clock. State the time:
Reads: 2:12
